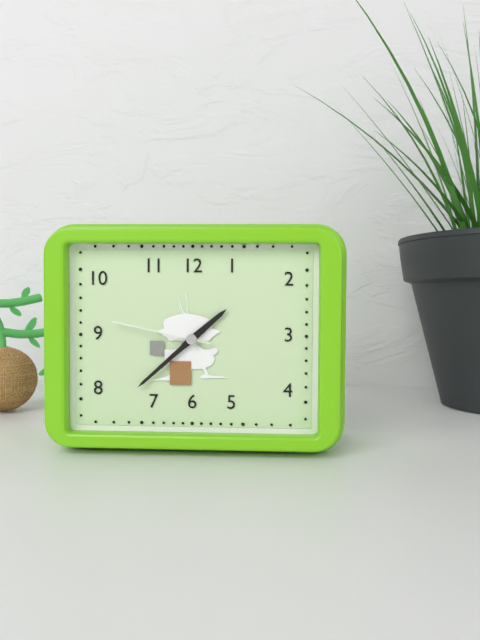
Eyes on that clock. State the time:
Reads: 1:38:47
